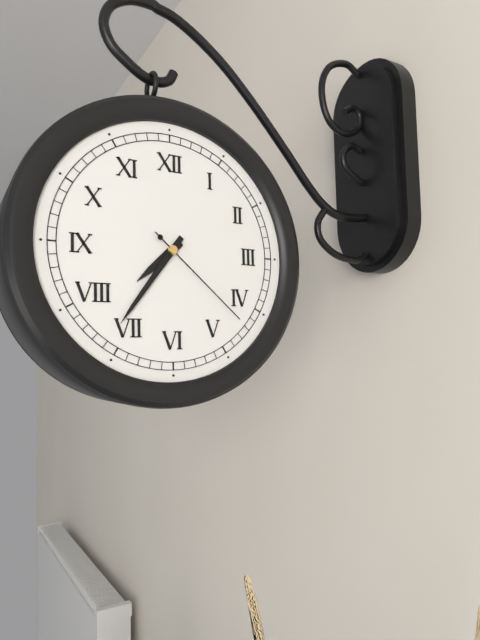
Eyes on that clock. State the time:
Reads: 7:36:22
